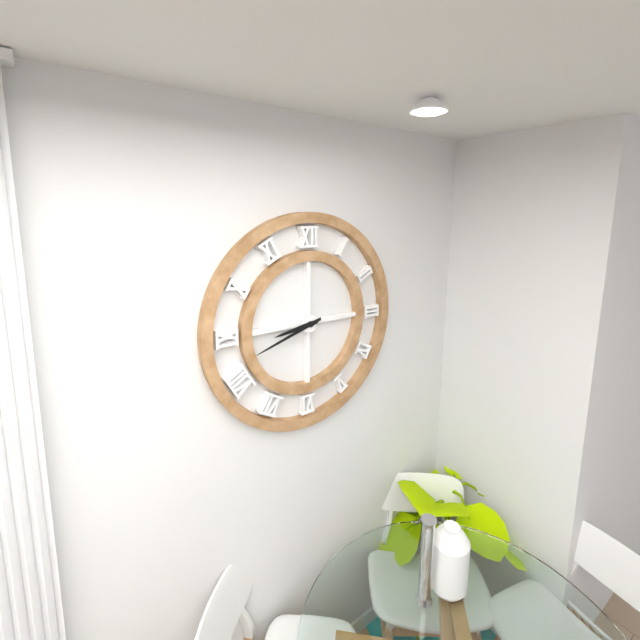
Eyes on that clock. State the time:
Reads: 8:42
